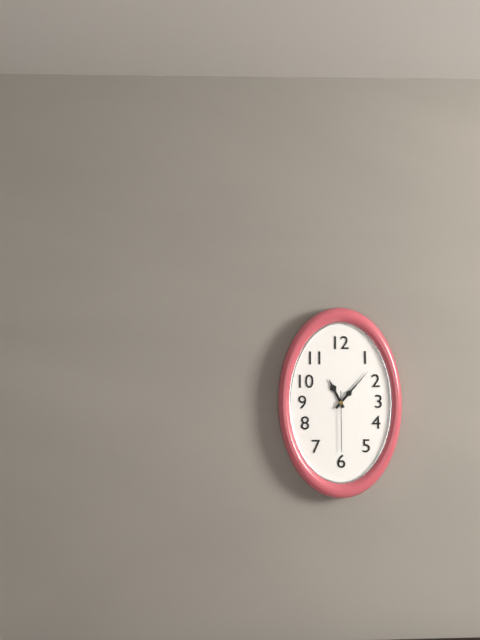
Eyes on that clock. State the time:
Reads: 11:07:30
